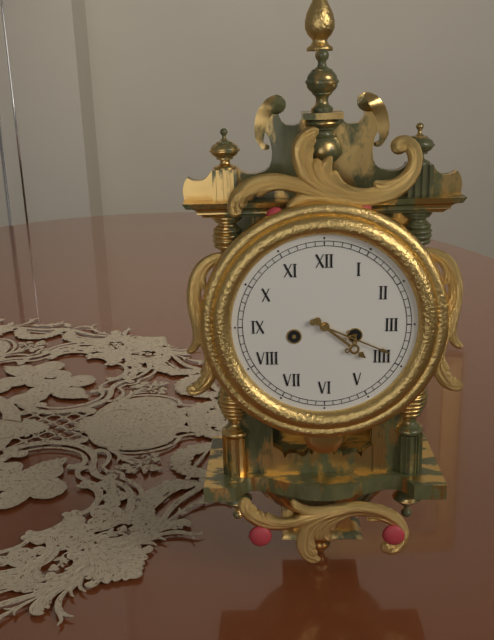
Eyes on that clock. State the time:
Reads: 4:19
